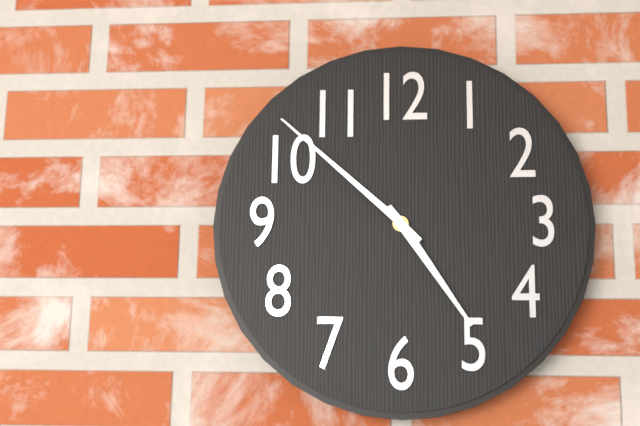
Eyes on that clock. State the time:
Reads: 4:52
